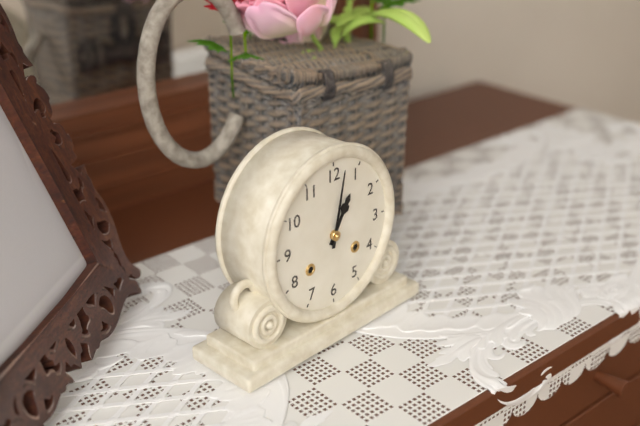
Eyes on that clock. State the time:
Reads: 1:02
